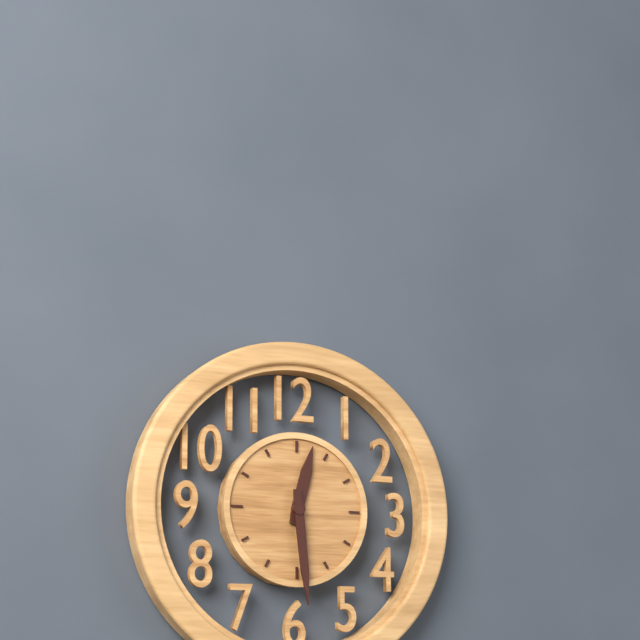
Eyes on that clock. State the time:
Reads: 12:29
